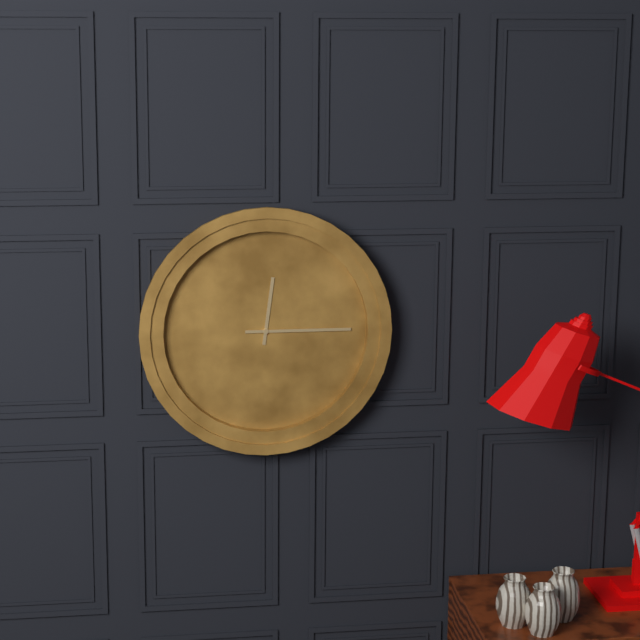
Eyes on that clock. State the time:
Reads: 12:15
